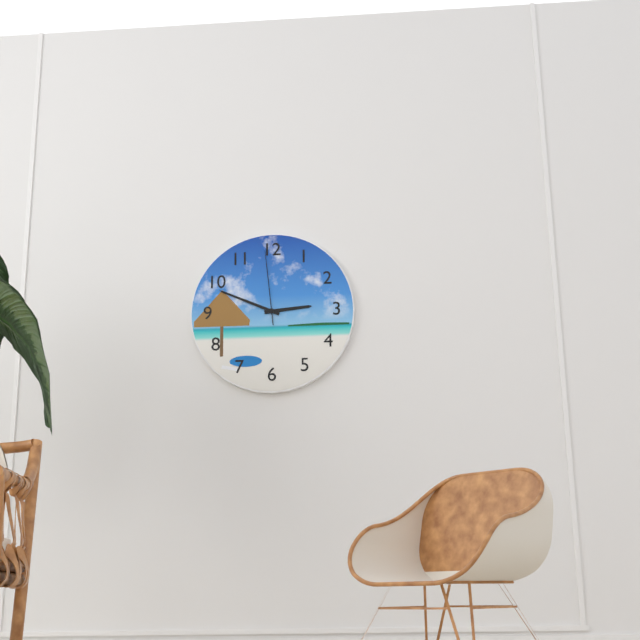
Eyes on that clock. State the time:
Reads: 2:49:59
